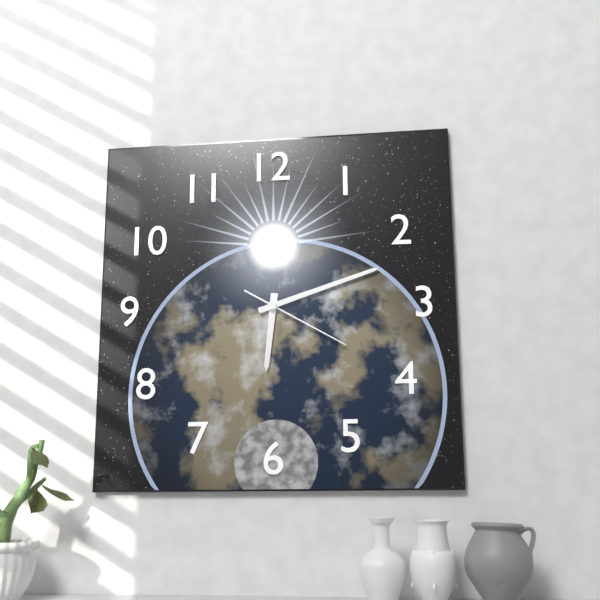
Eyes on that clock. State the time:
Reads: 6:12:20
